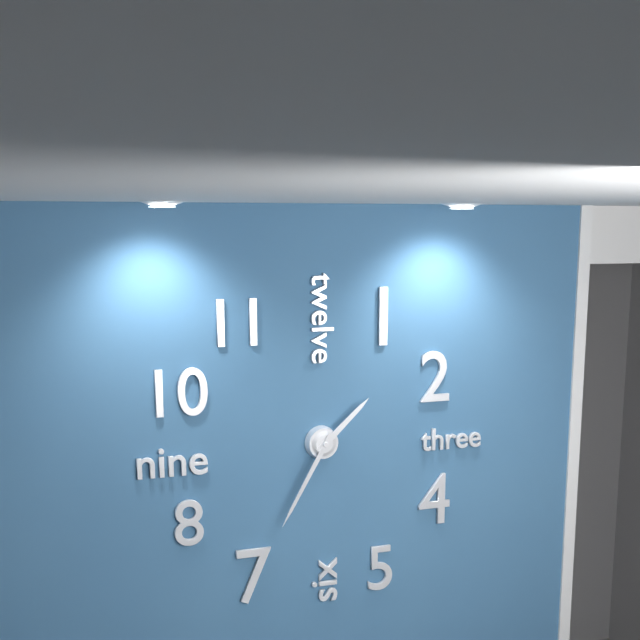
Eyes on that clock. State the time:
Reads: 1:35
